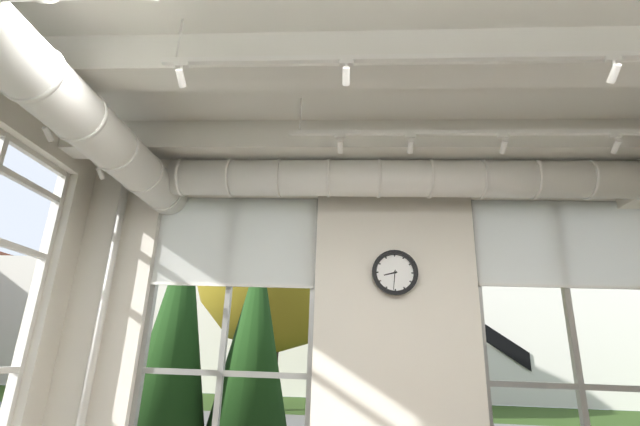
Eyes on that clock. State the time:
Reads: 8:31
